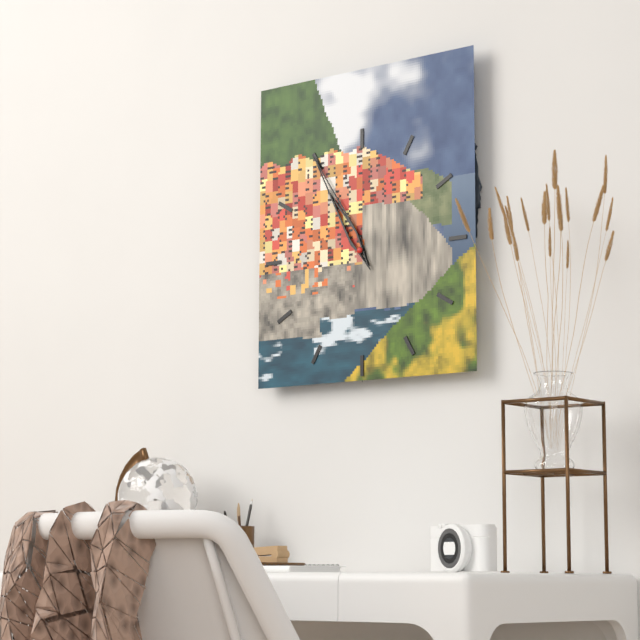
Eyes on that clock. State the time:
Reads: 10:55
